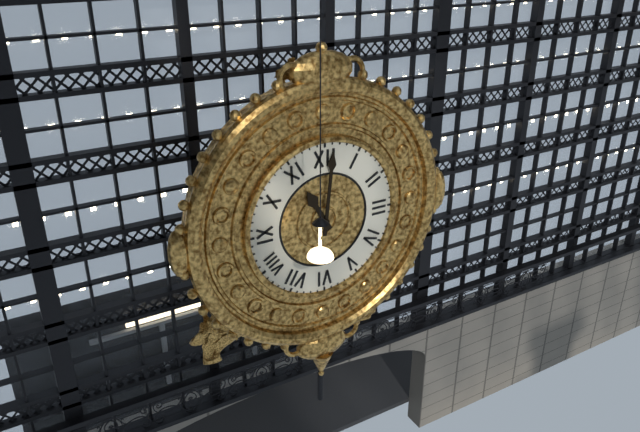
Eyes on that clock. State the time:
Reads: 11:01
